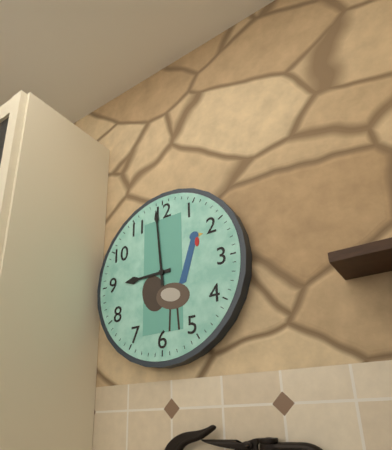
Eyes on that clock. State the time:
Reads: 8:59
